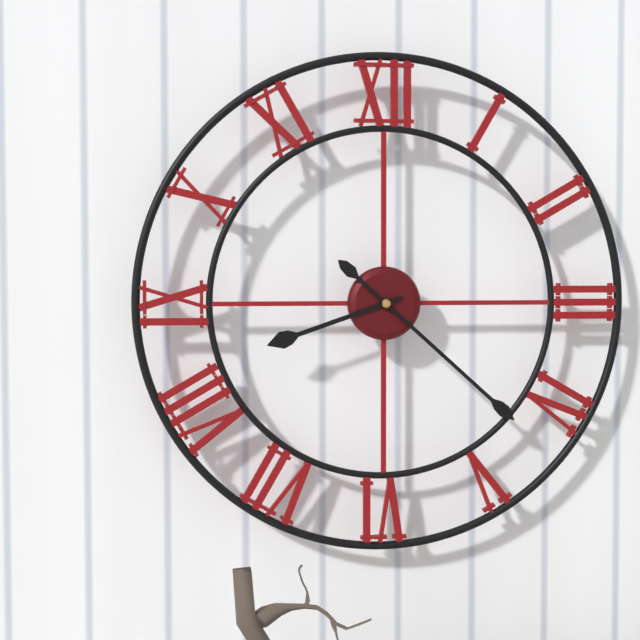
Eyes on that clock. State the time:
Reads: 8:22
